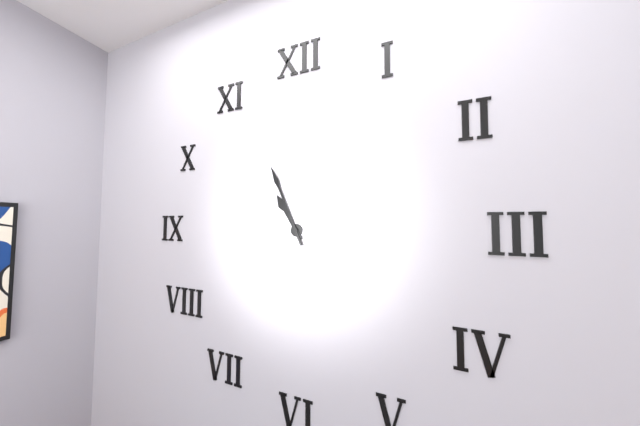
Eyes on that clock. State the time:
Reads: 10:56
